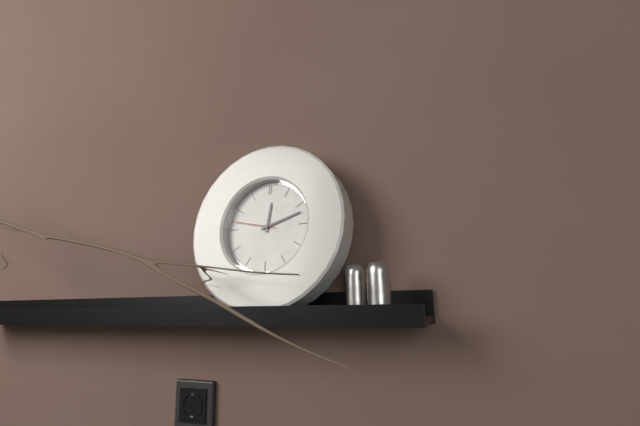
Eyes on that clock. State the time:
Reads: 12:12
